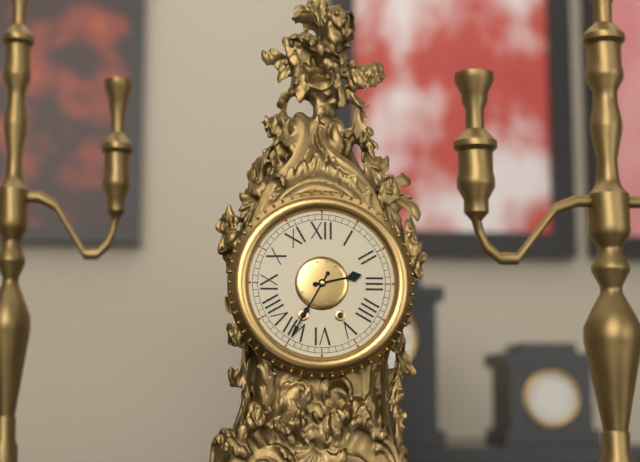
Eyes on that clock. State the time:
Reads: 2:35
